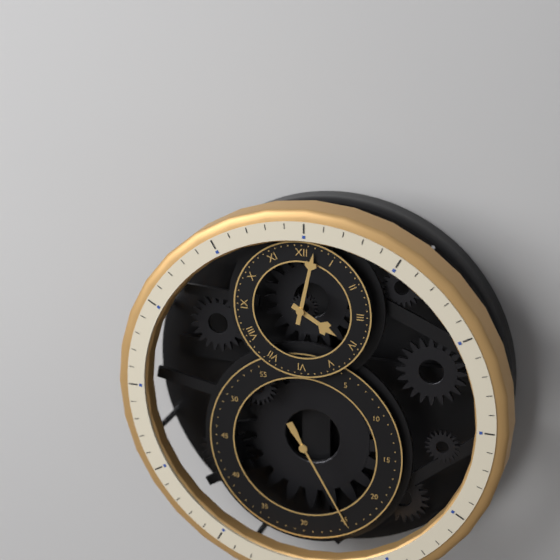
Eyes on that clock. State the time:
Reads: 4:02:25
